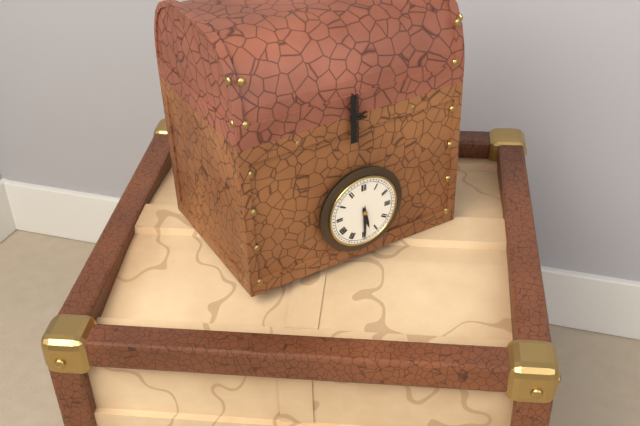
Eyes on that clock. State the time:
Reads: 5:30
